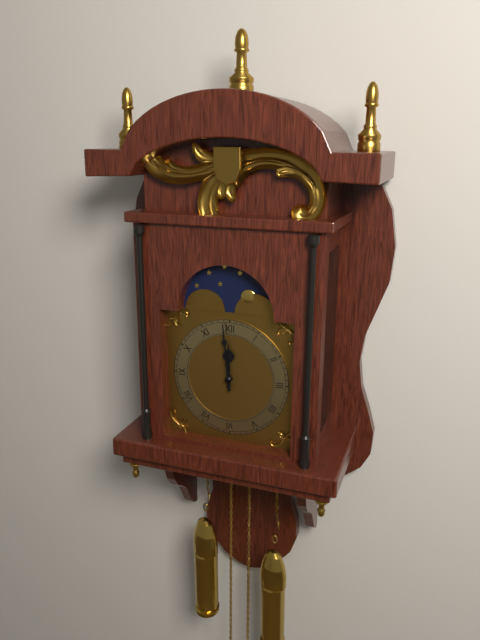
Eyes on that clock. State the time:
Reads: 11:59
